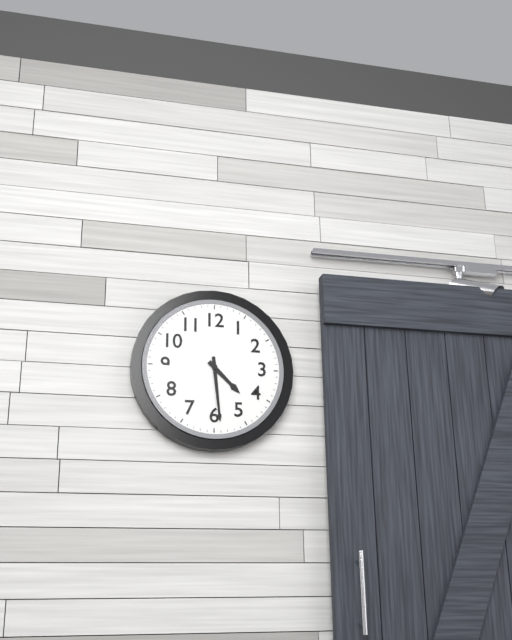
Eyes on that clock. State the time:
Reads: 4:29
